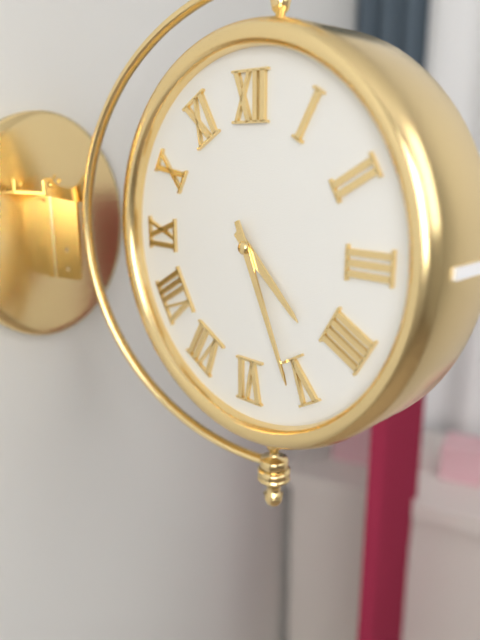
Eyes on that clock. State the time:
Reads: 4:26
